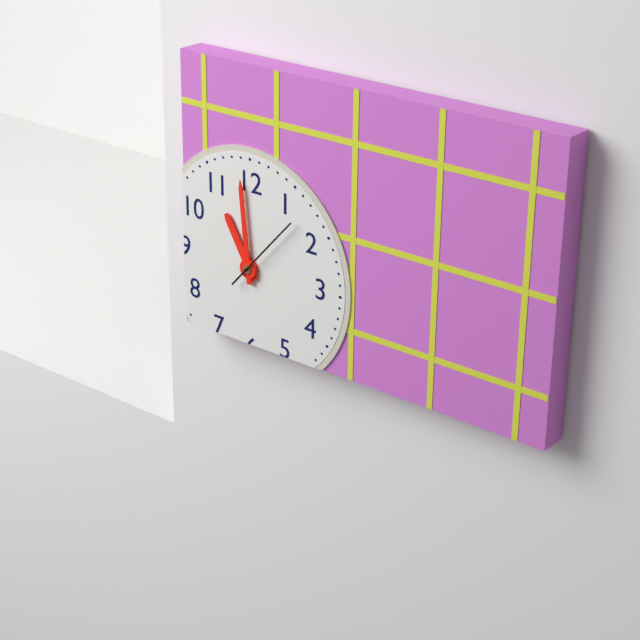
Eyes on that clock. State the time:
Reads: 10:59
